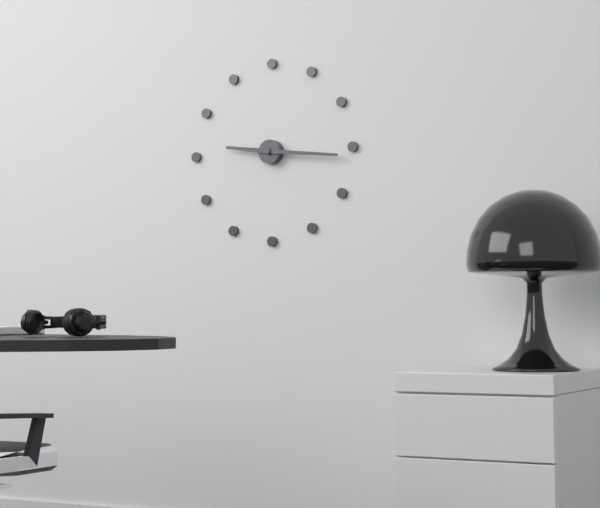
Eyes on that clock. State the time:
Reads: 9:16
